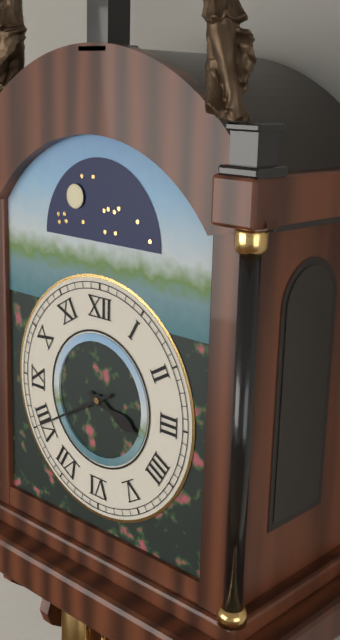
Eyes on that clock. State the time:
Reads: 3:40
